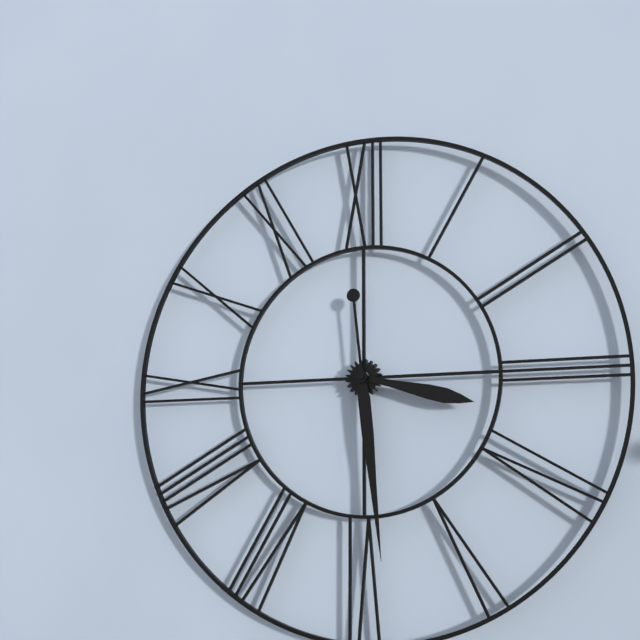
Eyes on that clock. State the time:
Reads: 3:29
